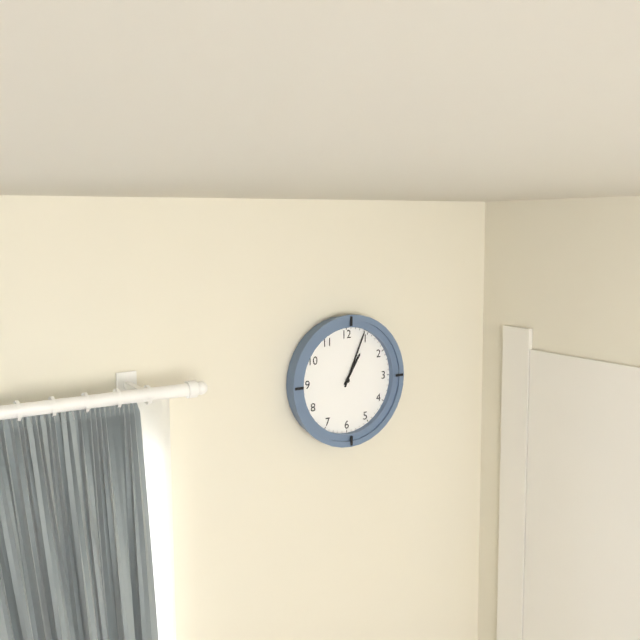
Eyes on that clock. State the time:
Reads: 1:04
